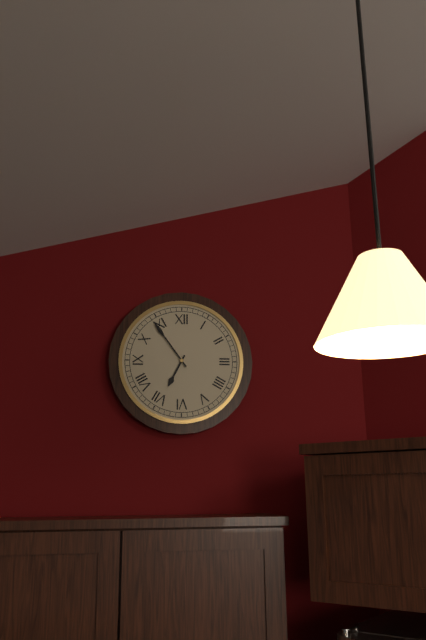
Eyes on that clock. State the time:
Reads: 6:54
